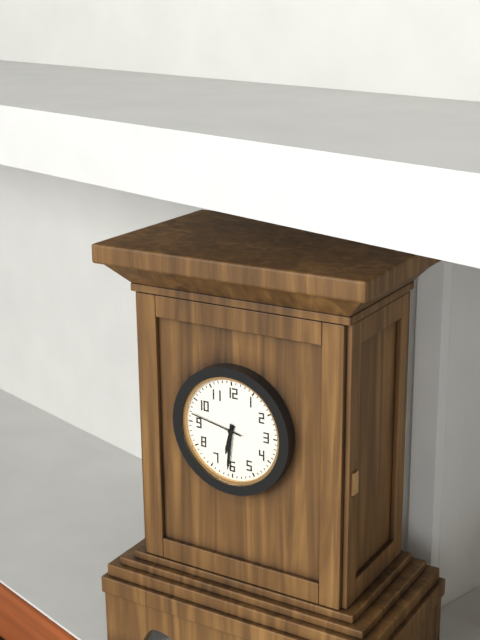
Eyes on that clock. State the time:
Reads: 6:31:47
